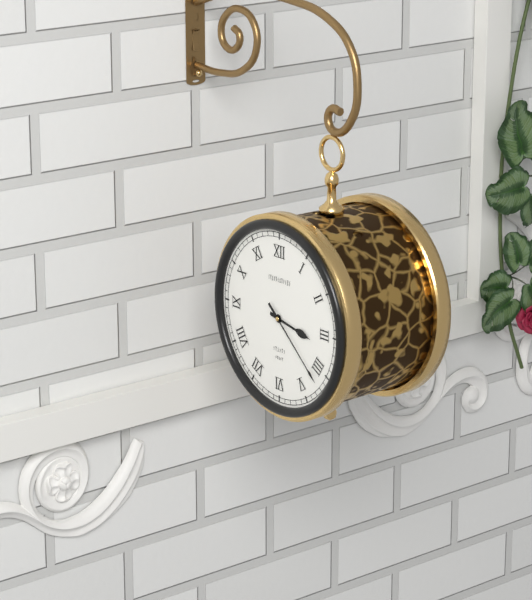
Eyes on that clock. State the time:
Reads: 3:22
